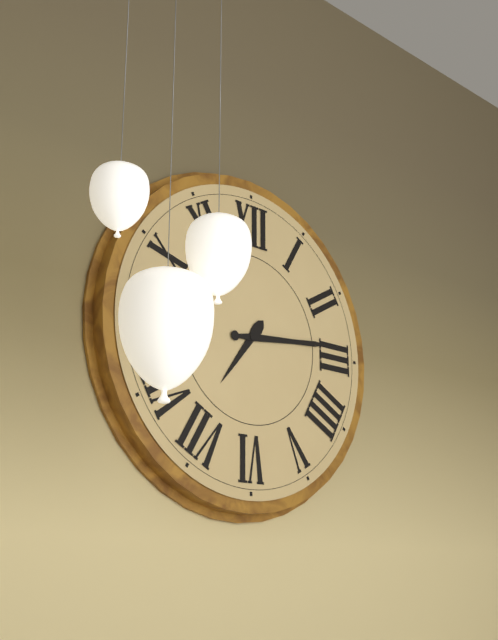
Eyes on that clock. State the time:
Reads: 7:14
